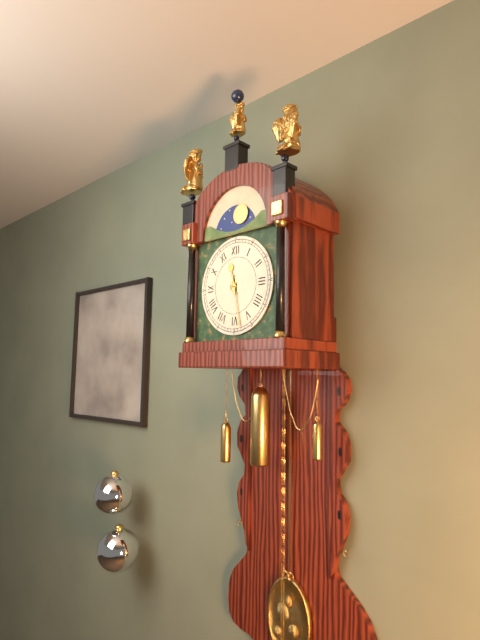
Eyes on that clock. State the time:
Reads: 11:28
